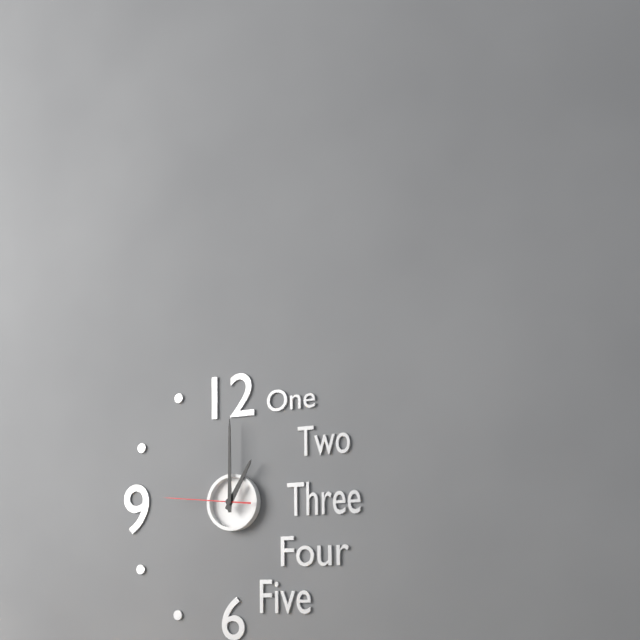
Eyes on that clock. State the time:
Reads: 1:00:46
